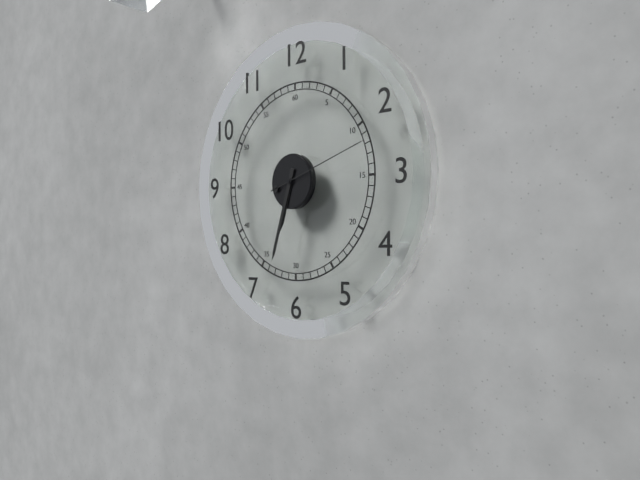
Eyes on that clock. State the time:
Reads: 6:33:12
